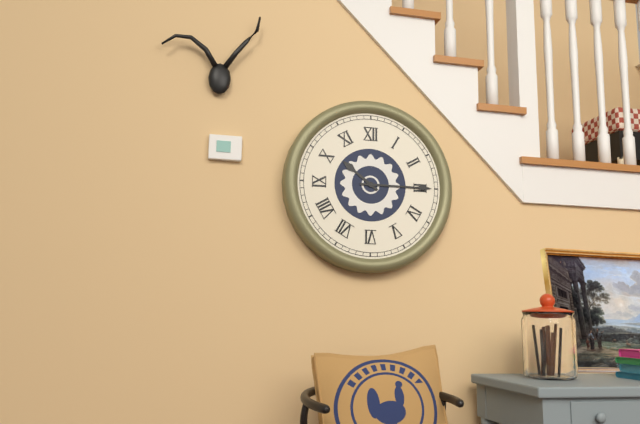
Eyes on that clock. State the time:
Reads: 10:15
